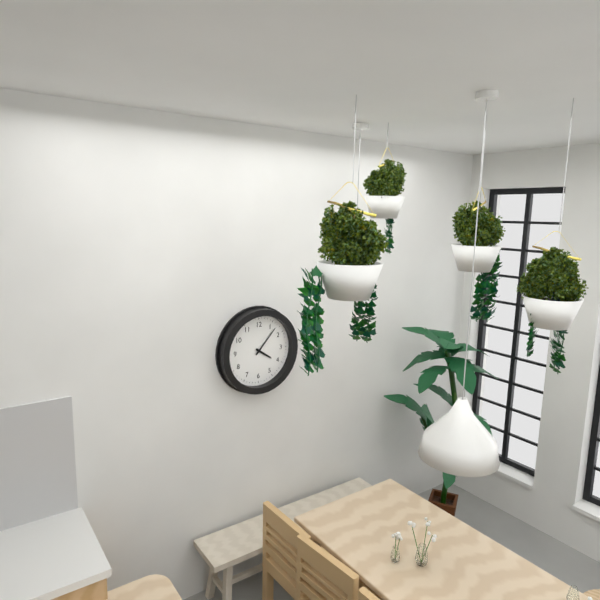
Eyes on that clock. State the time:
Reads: 4:07
